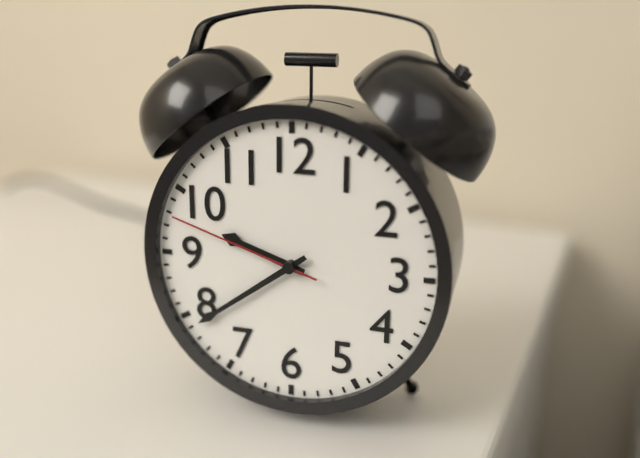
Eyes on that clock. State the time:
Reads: 9:39:48
